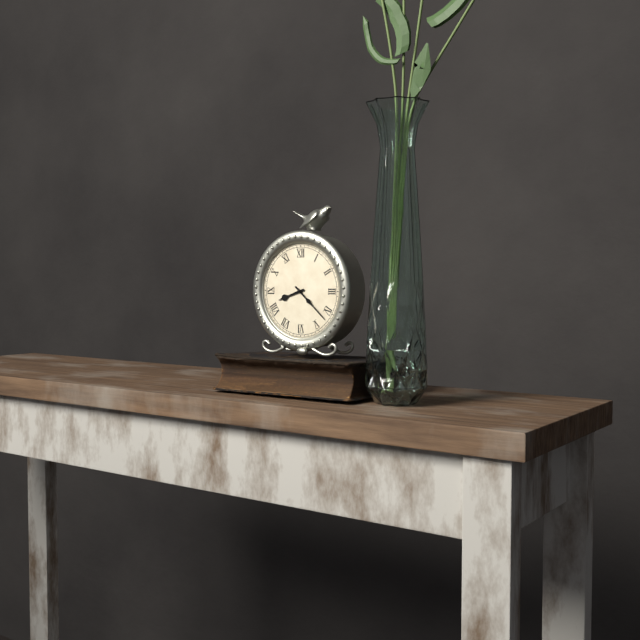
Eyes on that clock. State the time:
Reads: 8:22
